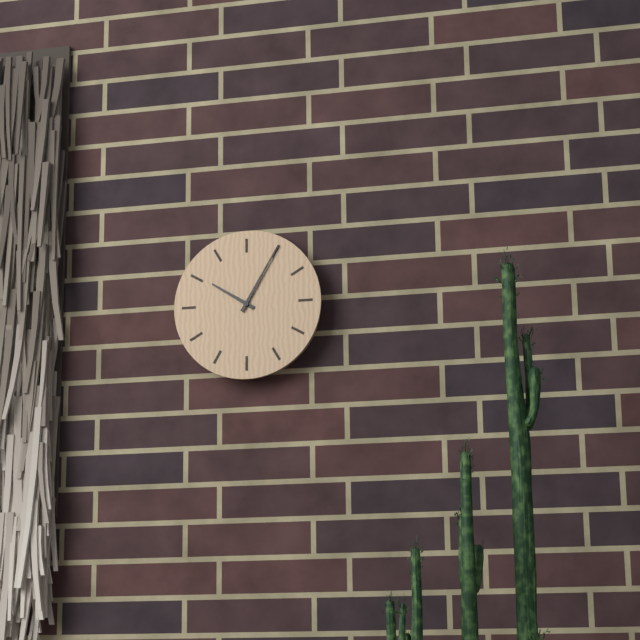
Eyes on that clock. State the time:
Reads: 10:05
